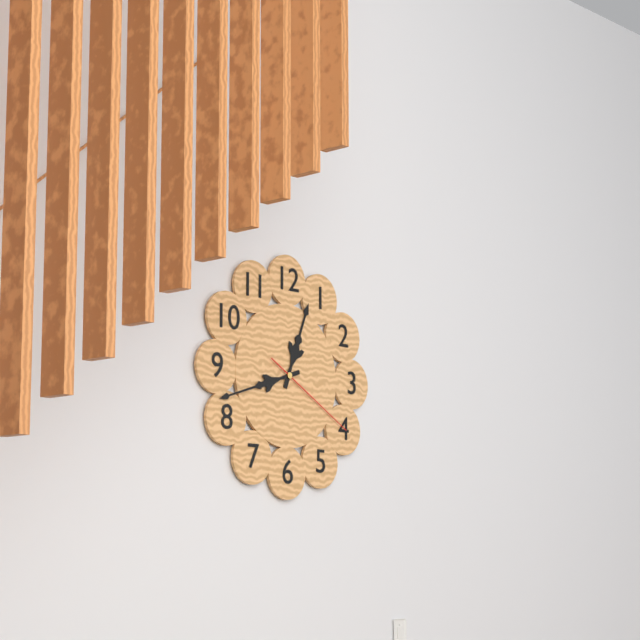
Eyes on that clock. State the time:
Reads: 12:42:20
